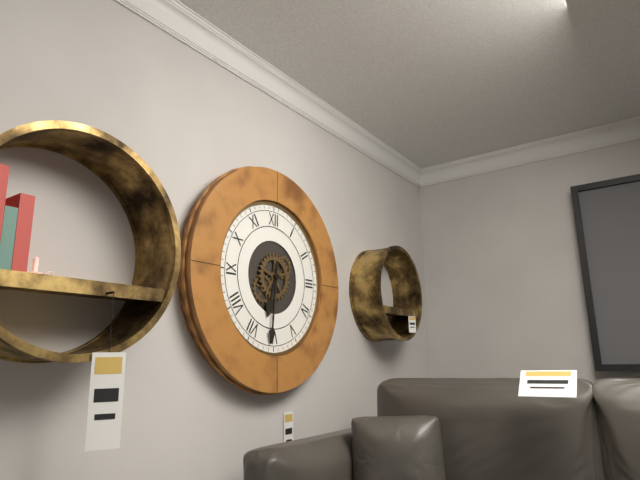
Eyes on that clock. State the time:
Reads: 6:31
